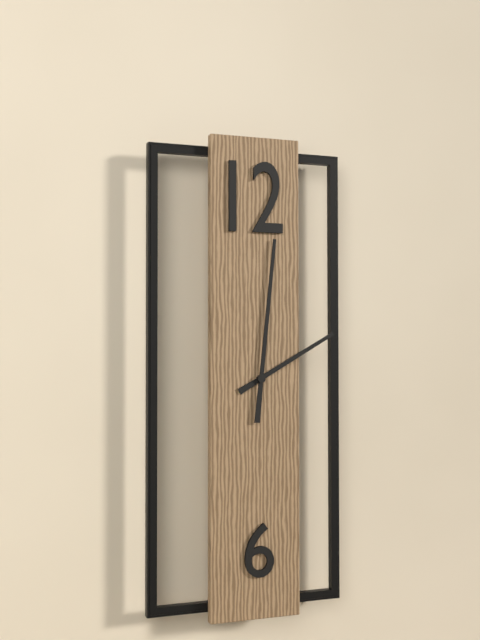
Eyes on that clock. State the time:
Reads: 2:01
